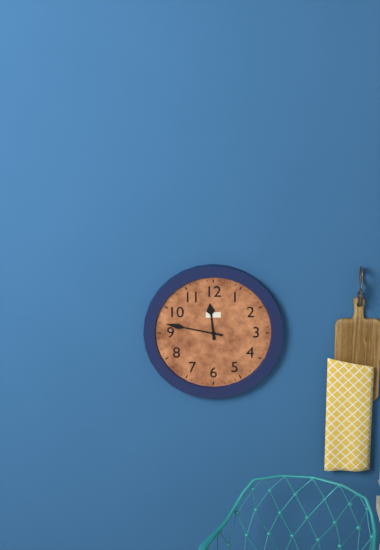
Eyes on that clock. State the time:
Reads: 11:47
